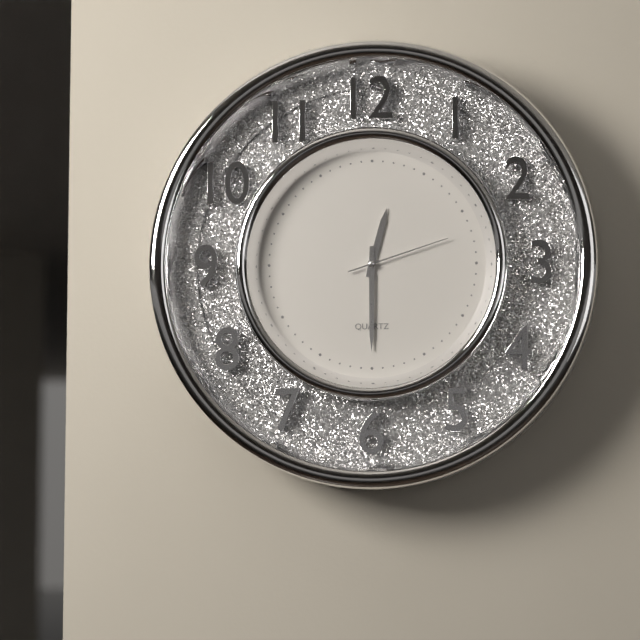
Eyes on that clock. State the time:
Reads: 12:30:12
